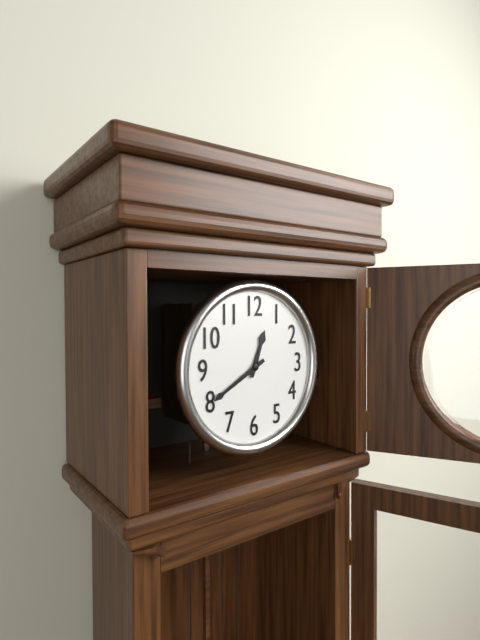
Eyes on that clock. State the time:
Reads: 12:40
